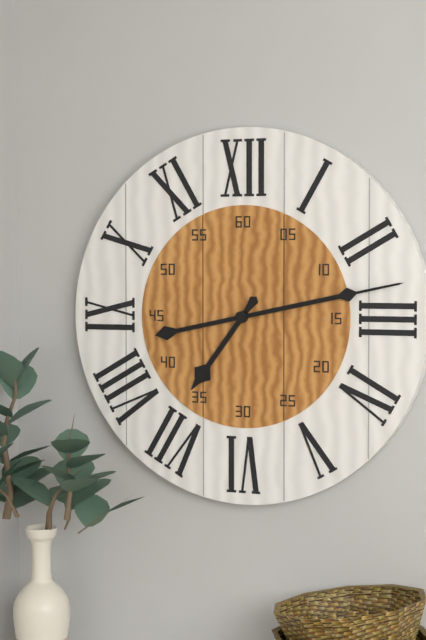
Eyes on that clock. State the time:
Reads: 7:13
